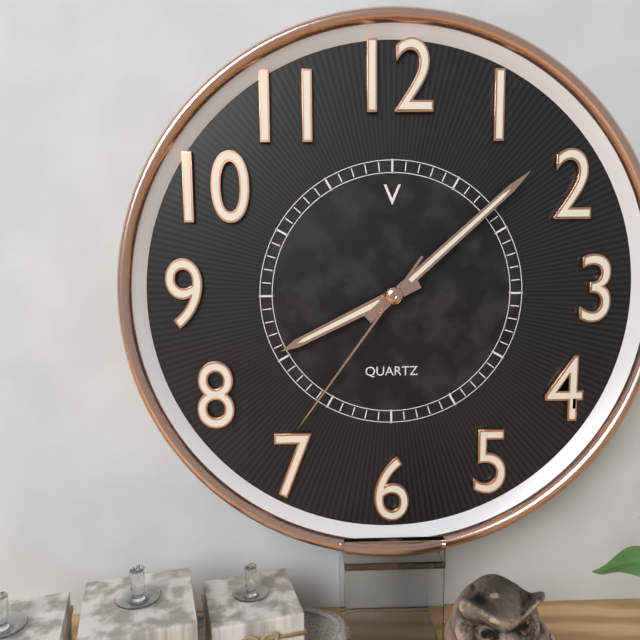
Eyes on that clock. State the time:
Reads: 8:08:36
